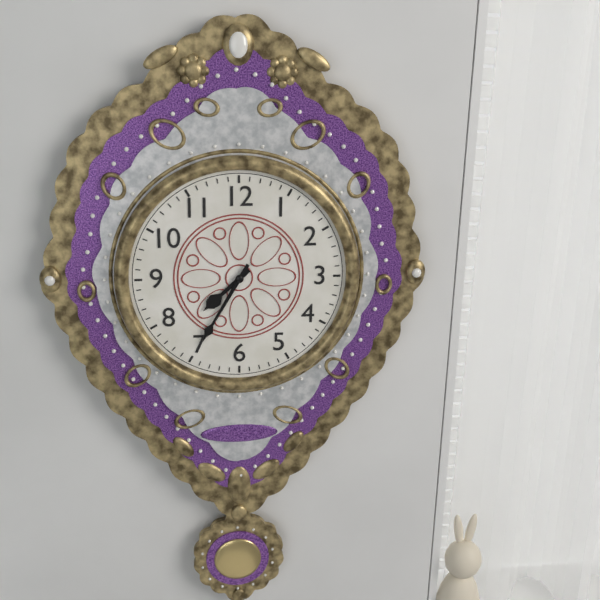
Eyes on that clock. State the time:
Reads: 7:35
